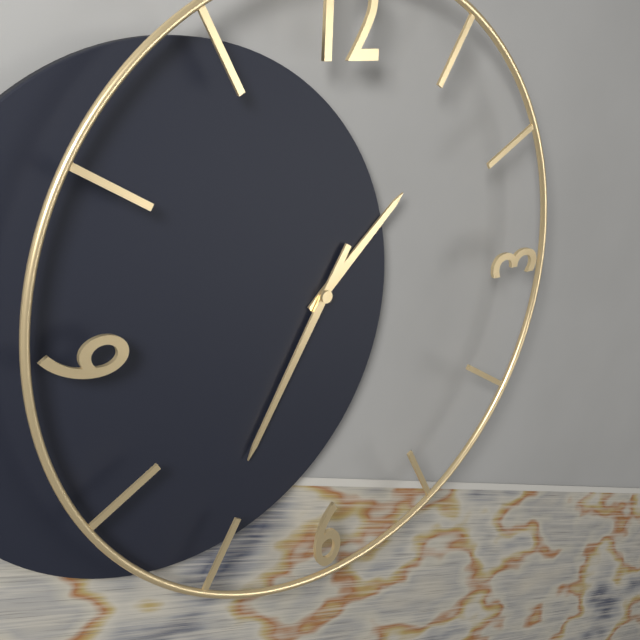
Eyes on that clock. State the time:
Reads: 1:35
